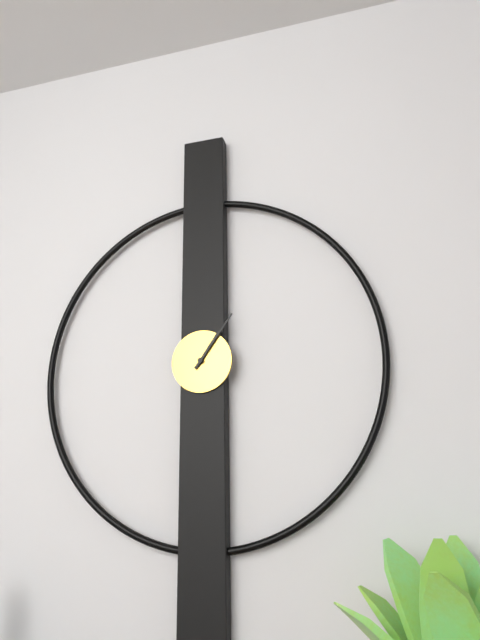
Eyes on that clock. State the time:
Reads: 1:06
